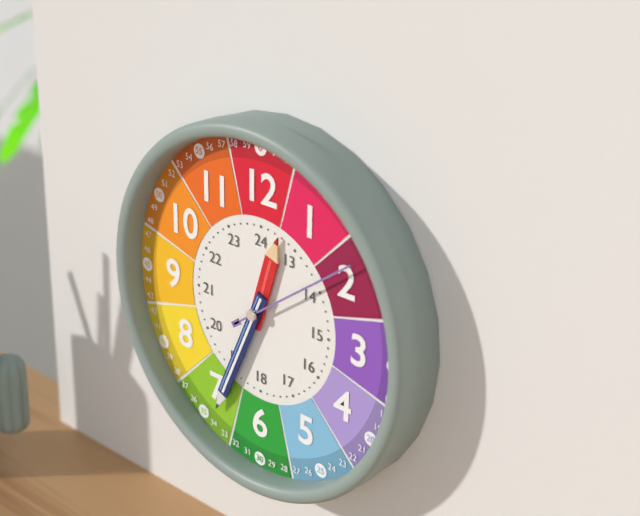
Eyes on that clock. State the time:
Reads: 12:34:09
